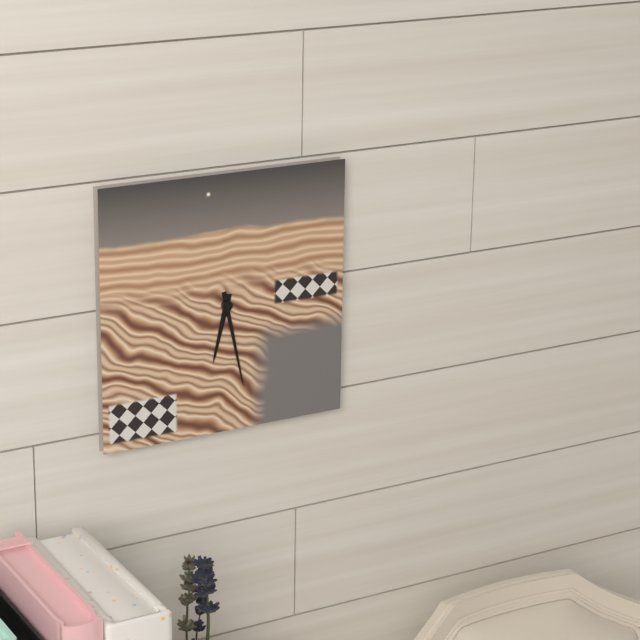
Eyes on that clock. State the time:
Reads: 6:28
